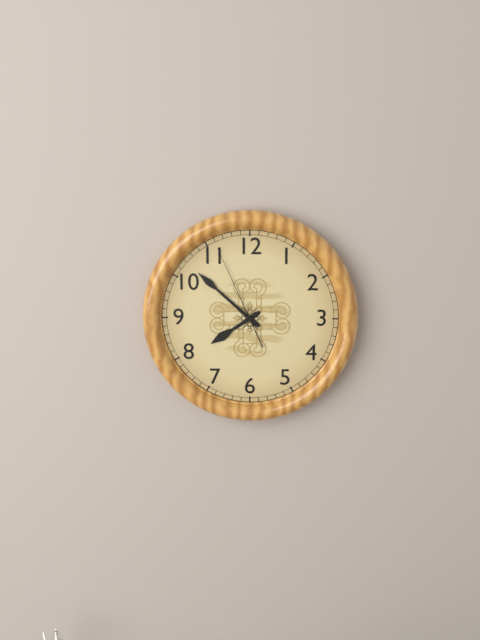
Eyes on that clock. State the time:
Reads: 7:52:56
